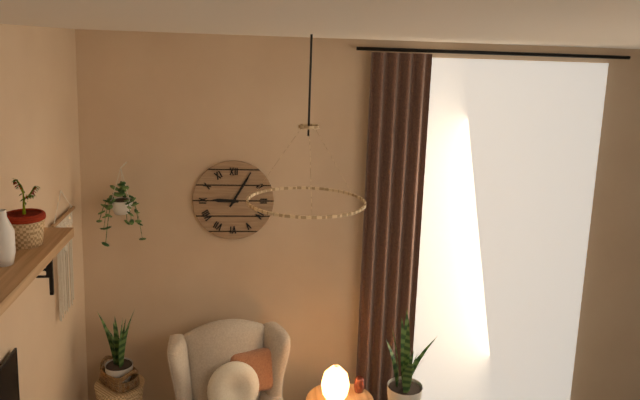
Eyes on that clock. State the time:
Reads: 9:05
